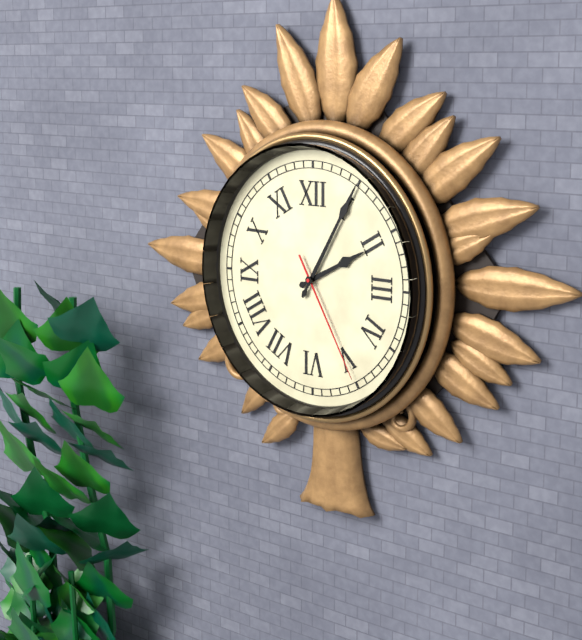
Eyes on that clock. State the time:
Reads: 2:05:25
